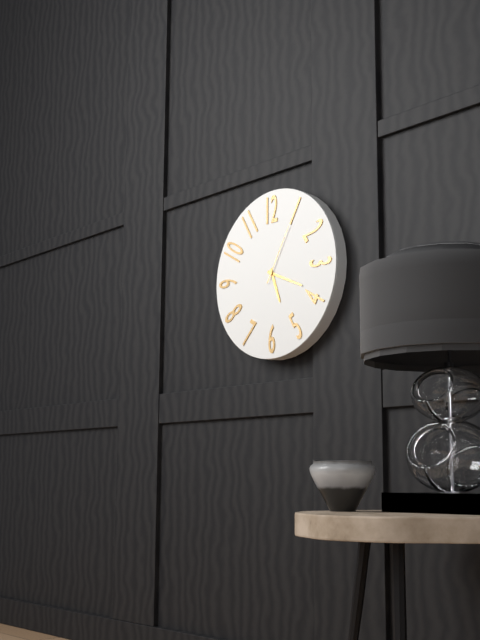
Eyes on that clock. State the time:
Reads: 5:19:05
